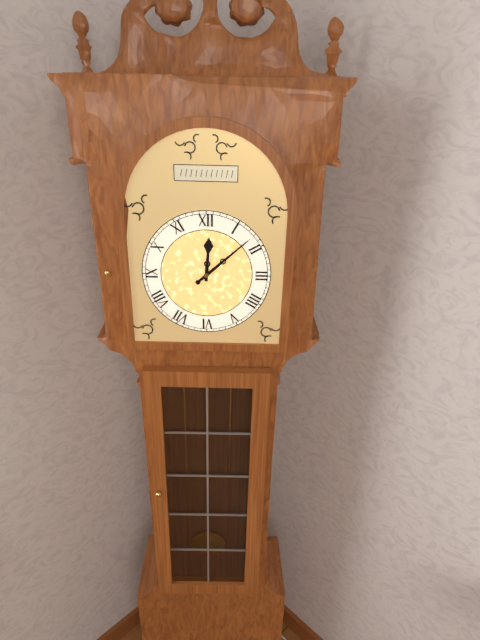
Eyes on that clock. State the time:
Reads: 12:08
